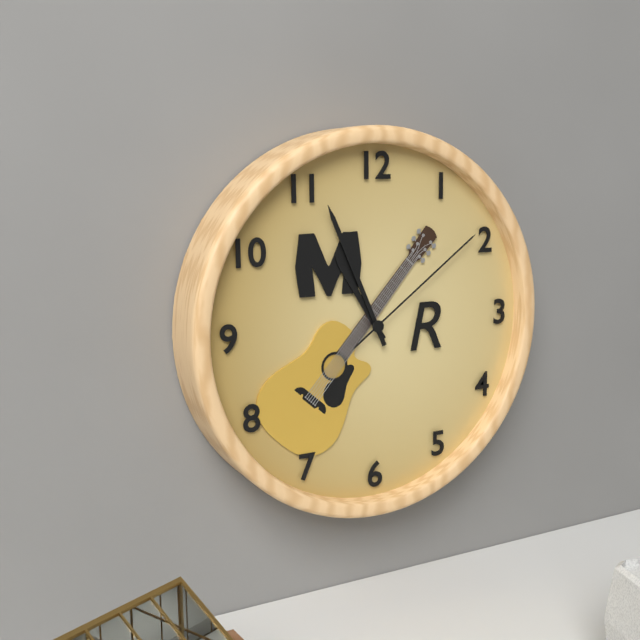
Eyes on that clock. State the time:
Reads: 10:56:09
